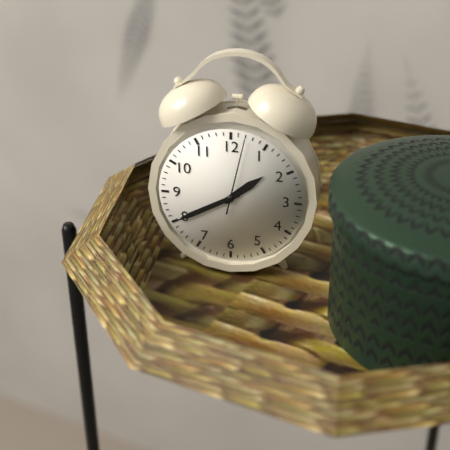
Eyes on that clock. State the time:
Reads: 1:40:02
